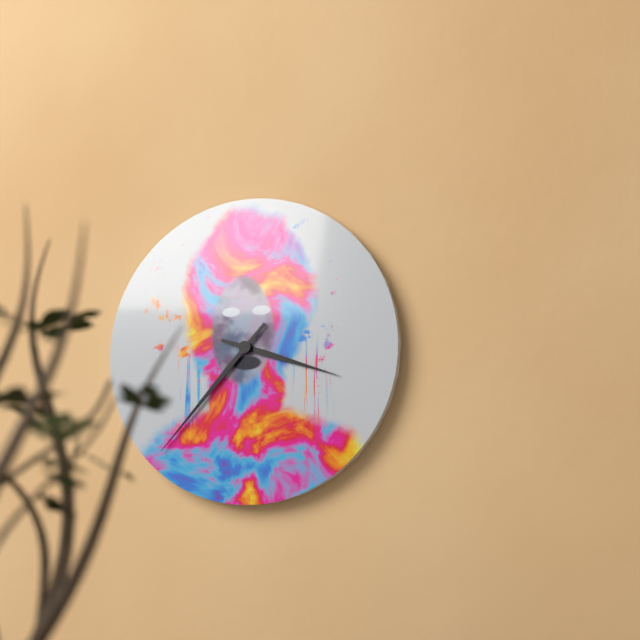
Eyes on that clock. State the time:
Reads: 3:37
